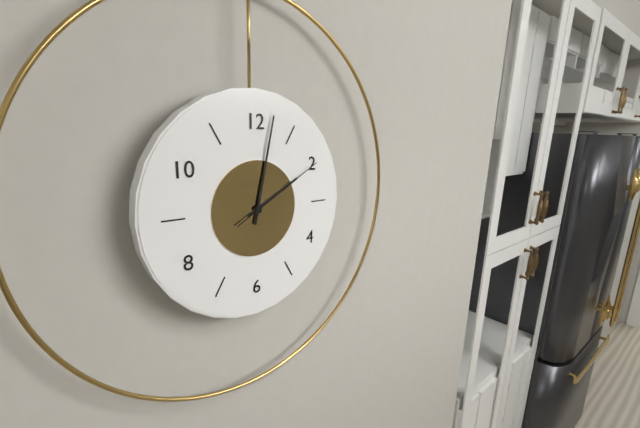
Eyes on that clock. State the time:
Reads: 2:02:10
